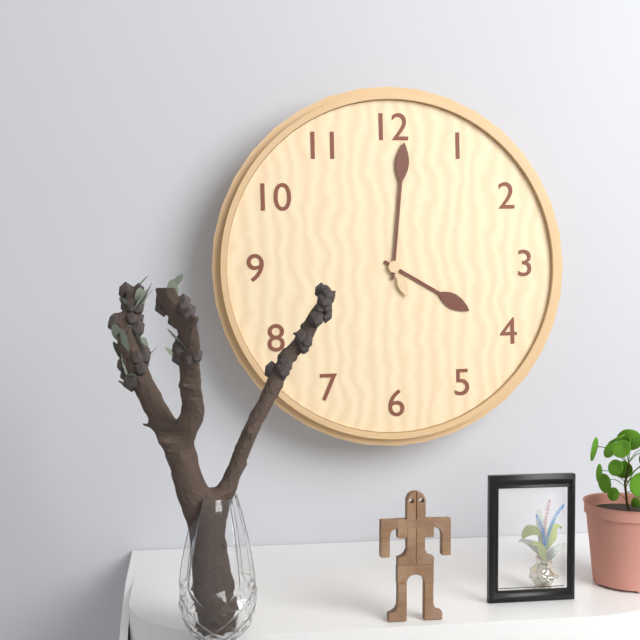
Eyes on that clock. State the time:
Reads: 4:01
